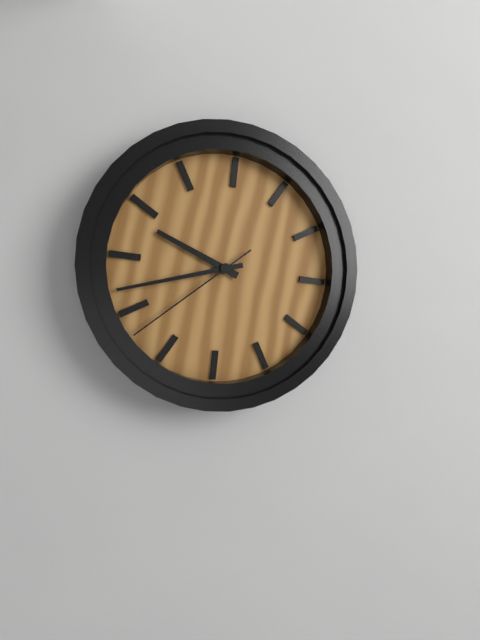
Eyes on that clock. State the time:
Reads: 9:42:38
